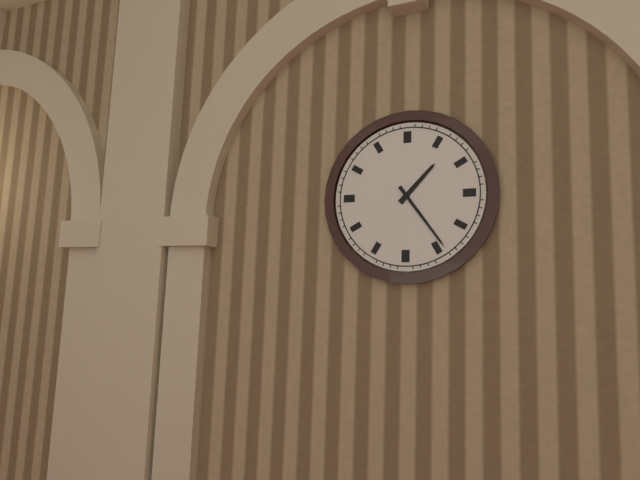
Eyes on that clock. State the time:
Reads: 1:24
